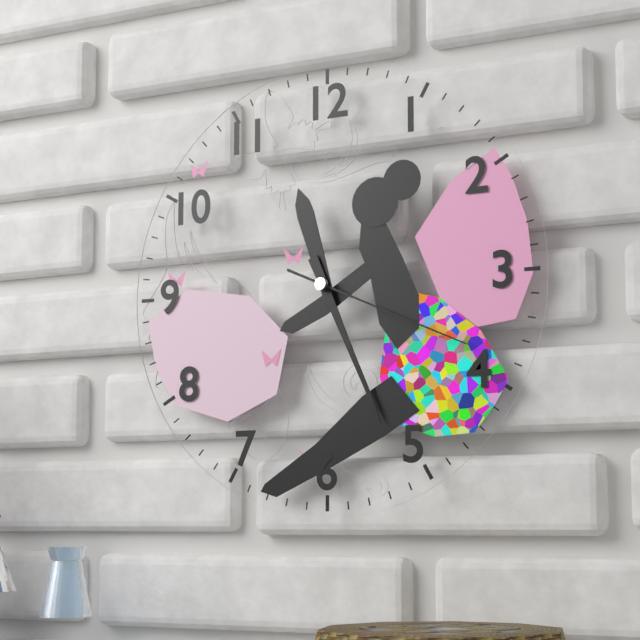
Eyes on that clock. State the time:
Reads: 11:26:19
